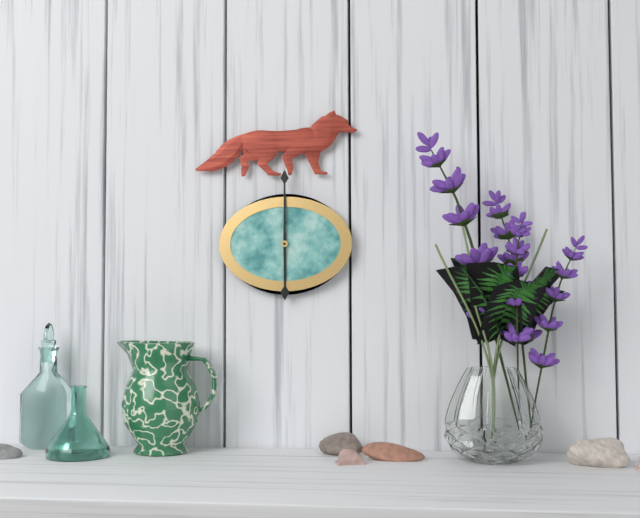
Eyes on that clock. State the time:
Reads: 6:00
